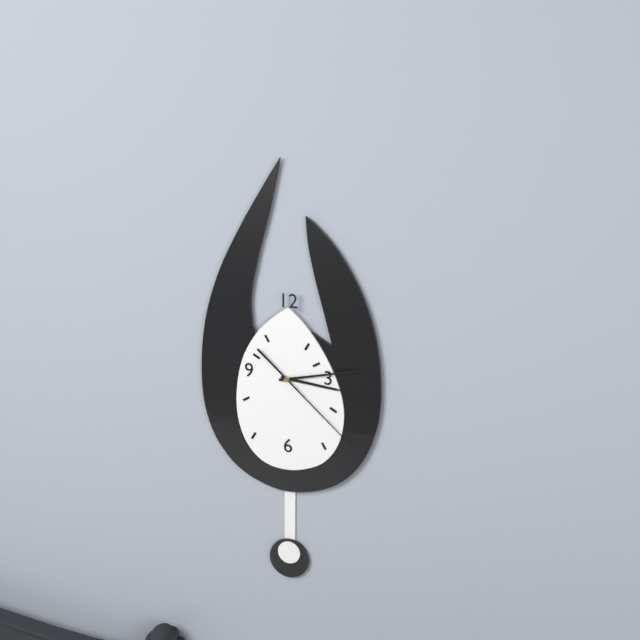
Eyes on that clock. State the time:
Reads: 3:13:22
